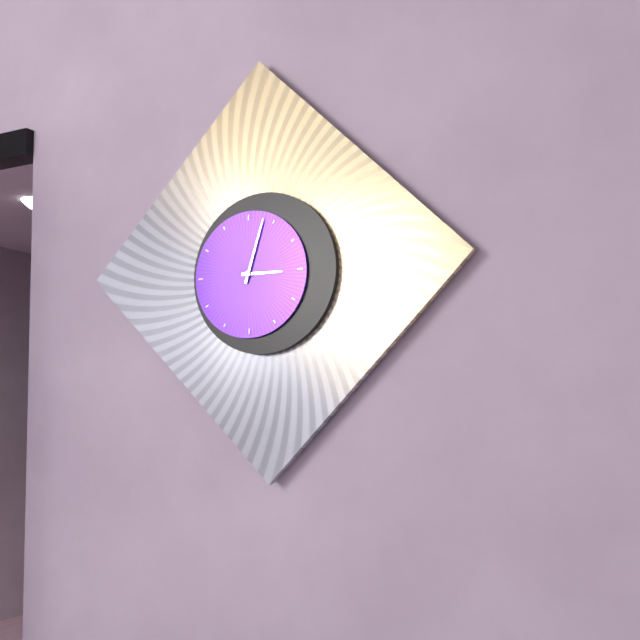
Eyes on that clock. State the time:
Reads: 3:03
